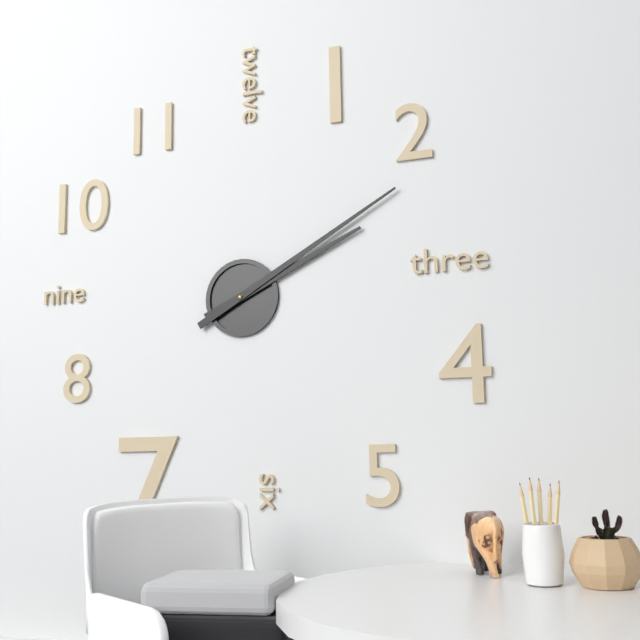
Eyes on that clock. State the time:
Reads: 2:10
